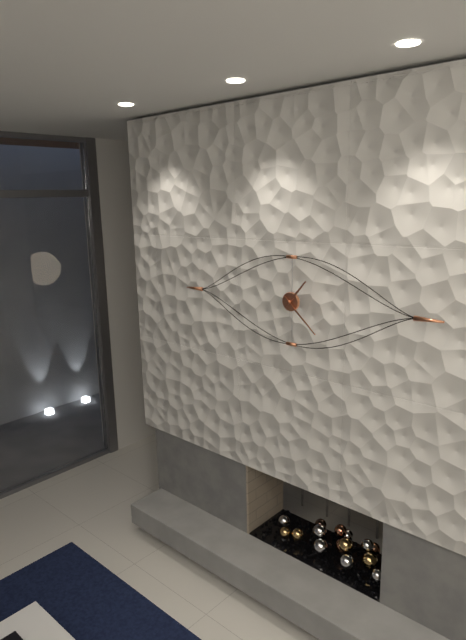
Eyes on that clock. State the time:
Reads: 1:22
